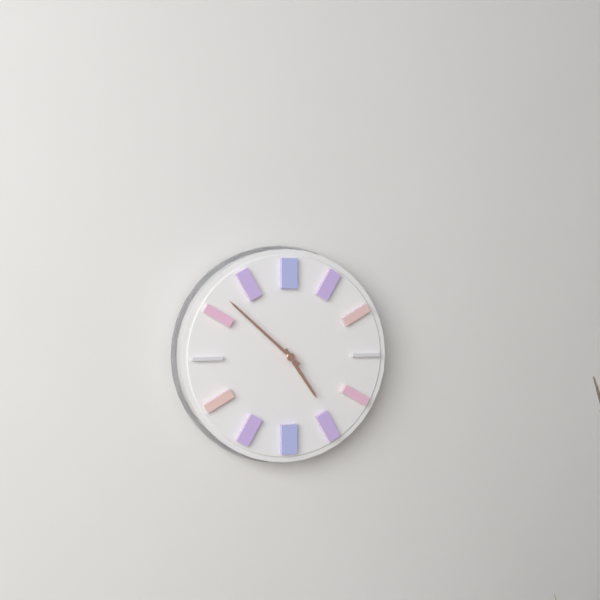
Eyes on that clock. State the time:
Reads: 4:52
